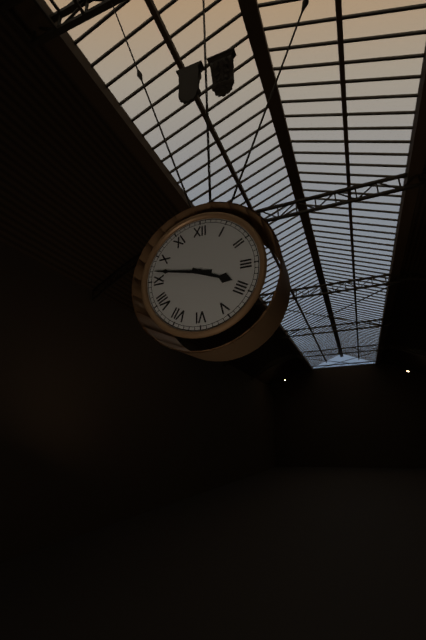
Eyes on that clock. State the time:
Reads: 3:47
